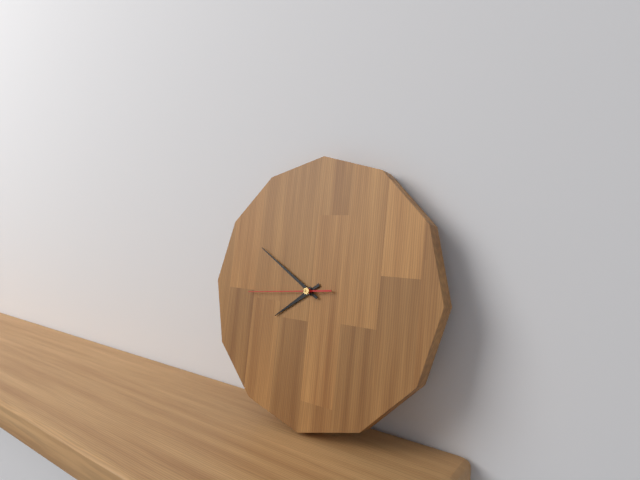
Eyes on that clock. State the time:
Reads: 7:50:44
